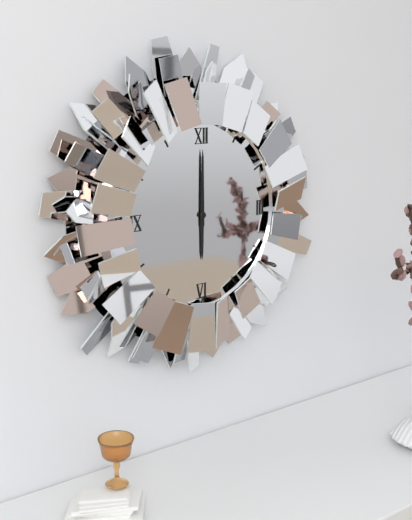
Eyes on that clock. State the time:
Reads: 6:00
